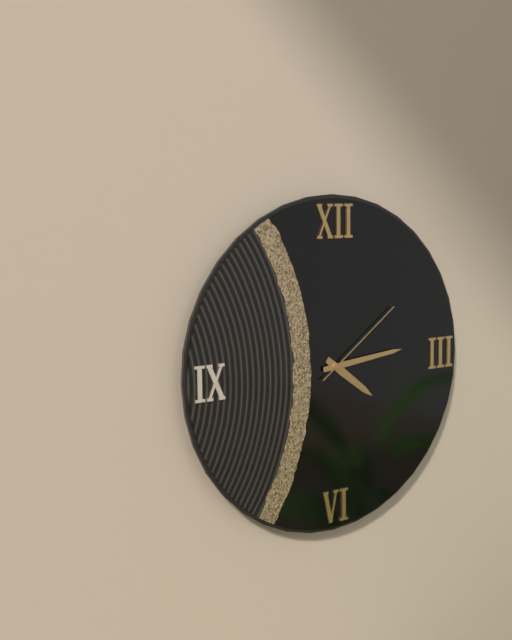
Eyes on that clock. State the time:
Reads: 4:14:09
